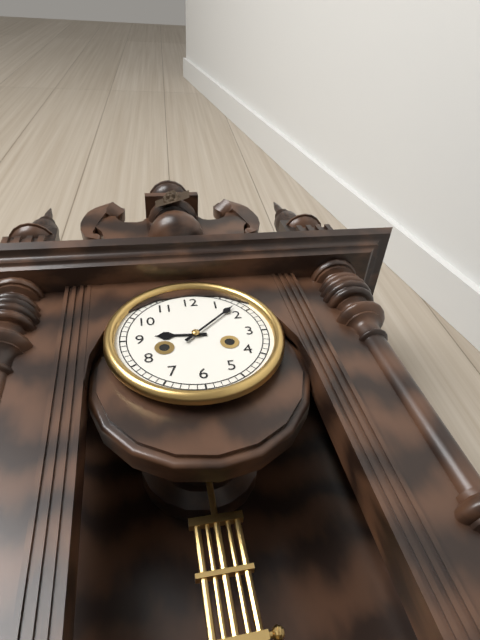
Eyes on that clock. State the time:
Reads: 9:08
